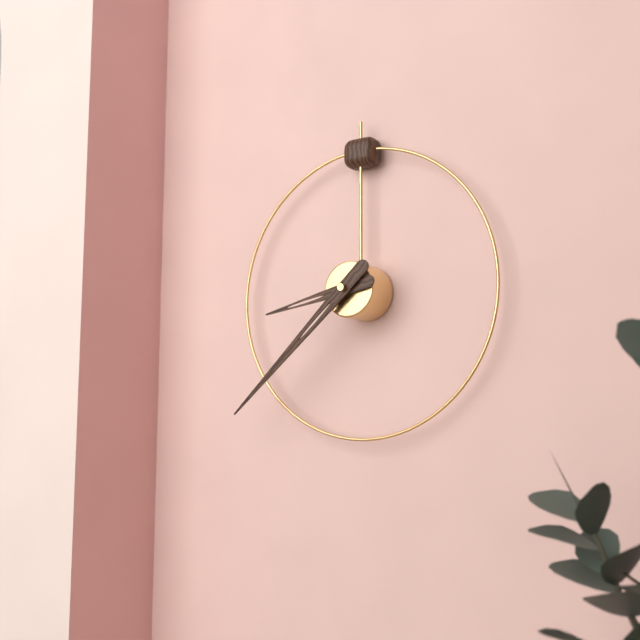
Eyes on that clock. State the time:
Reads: 8:38
